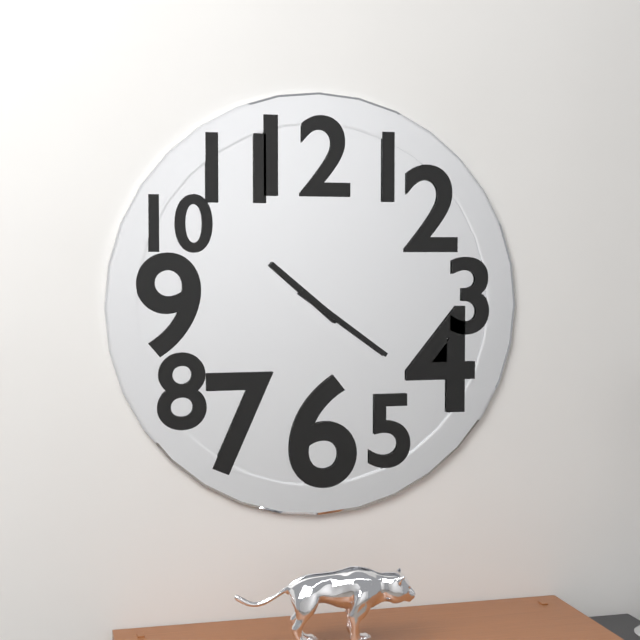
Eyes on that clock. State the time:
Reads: 10:21
